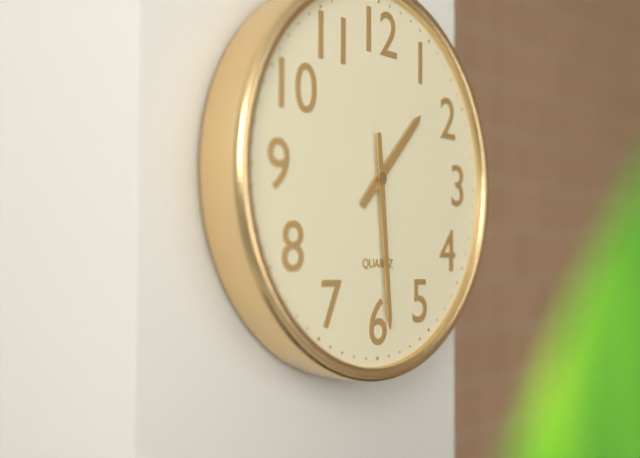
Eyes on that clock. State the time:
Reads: 1:29
